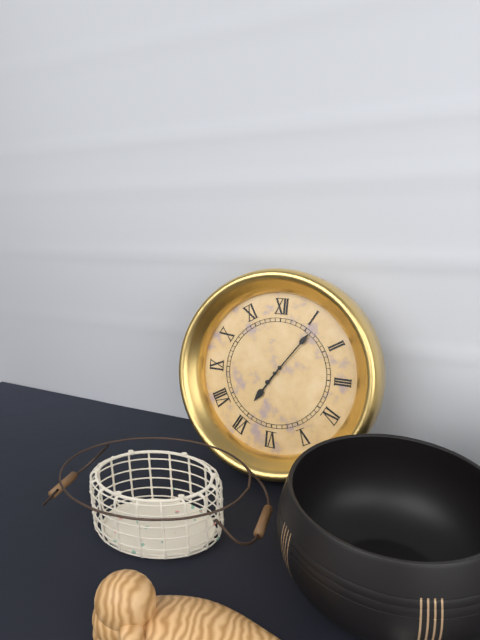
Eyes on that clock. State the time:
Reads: 7:06
